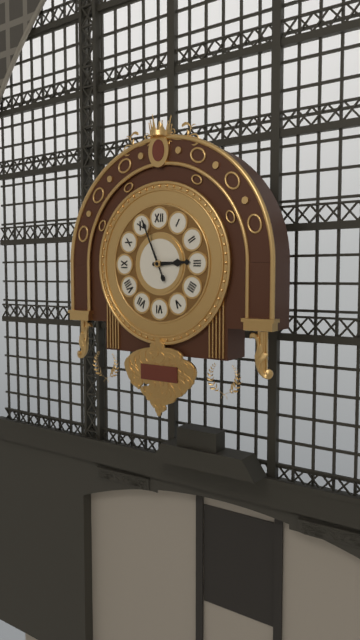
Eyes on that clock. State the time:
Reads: 2:56
